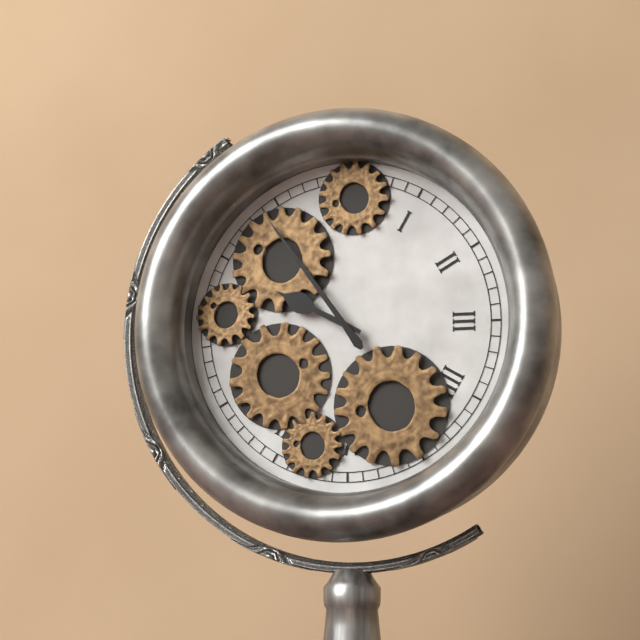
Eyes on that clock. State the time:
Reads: 9:54
